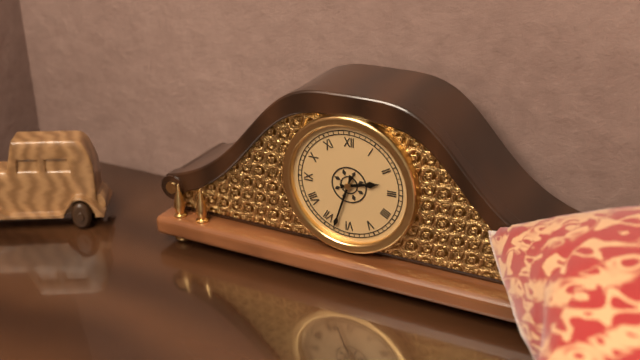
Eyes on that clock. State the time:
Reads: 2:33
